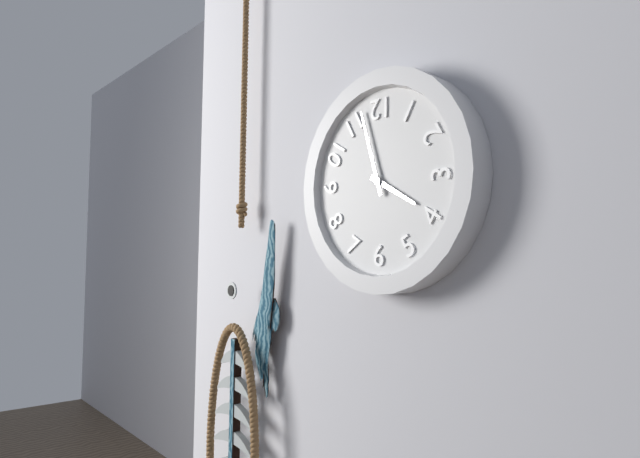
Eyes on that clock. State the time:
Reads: 3:57
